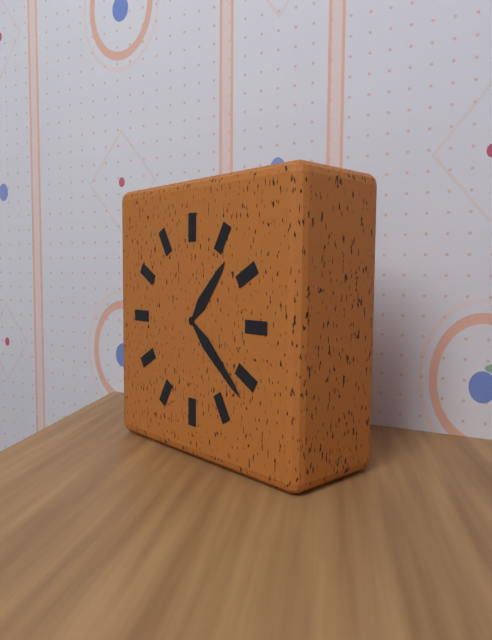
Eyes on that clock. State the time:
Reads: 1:22
